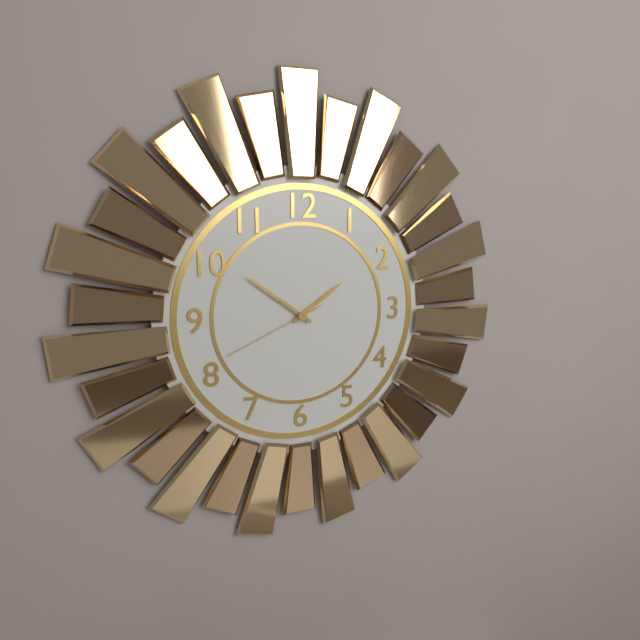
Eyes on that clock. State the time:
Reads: 1:51:41
